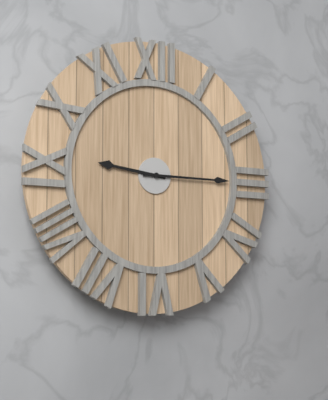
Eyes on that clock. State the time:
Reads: 9:15
